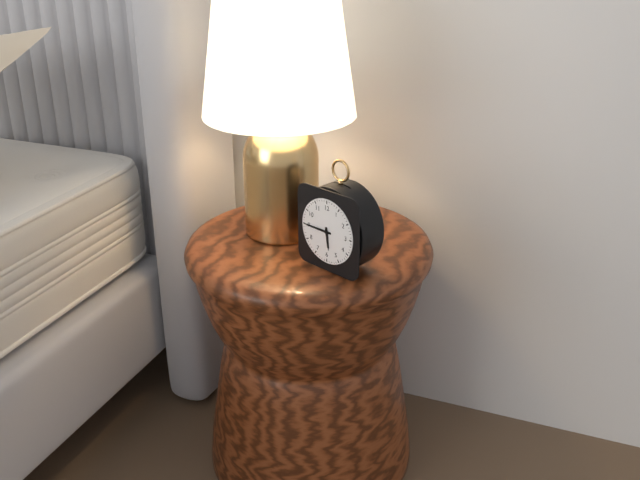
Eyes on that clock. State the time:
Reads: 5:45
